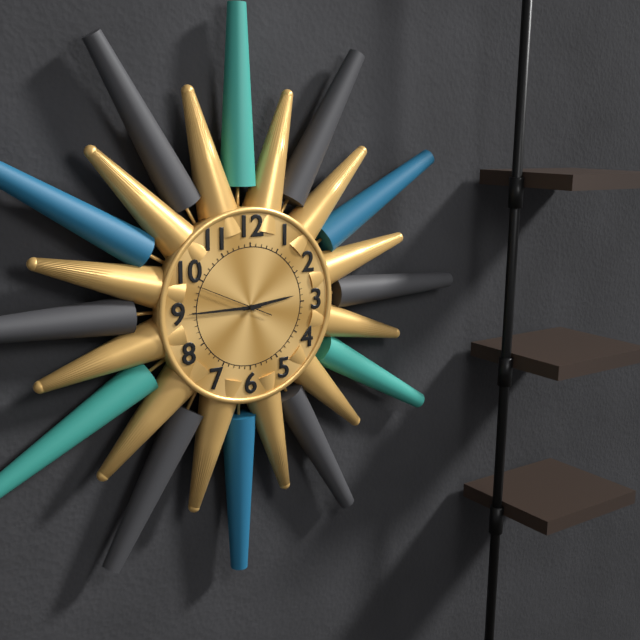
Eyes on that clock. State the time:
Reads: 2:45:49
